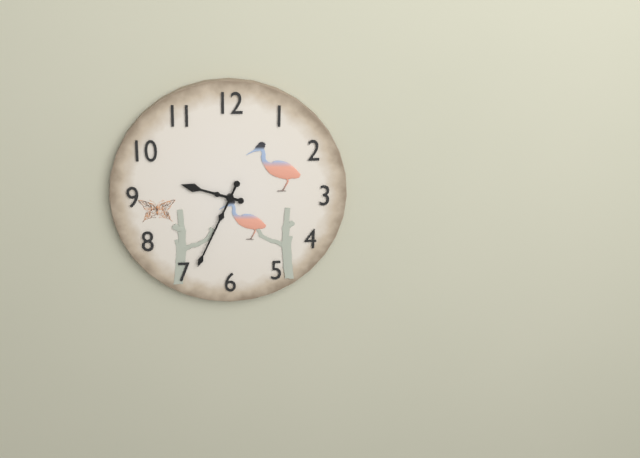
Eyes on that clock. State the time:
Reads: 9:34
